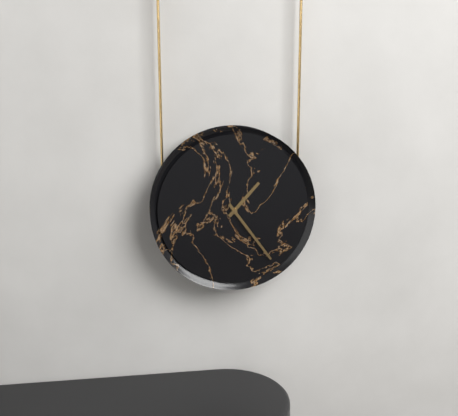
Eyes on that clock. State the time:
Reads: 1:24
